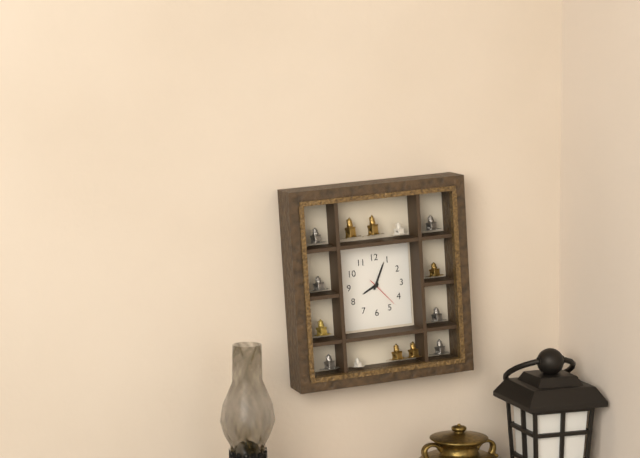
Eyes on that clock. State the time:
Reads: 8:04
